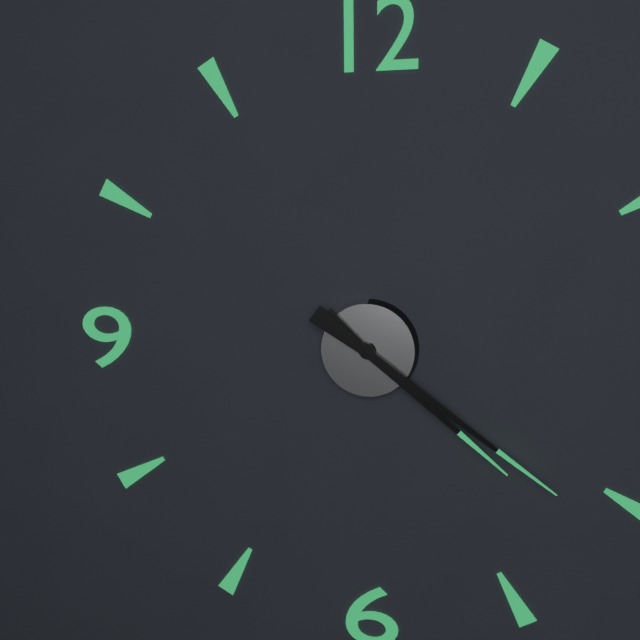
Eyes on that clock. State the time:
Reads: 4:21
